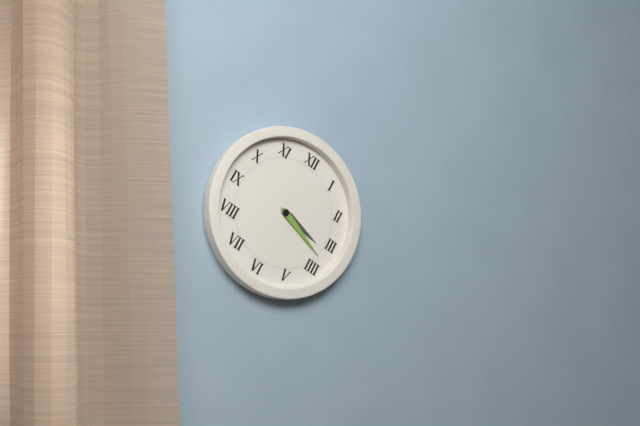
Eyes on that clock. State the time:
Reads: 3:18
